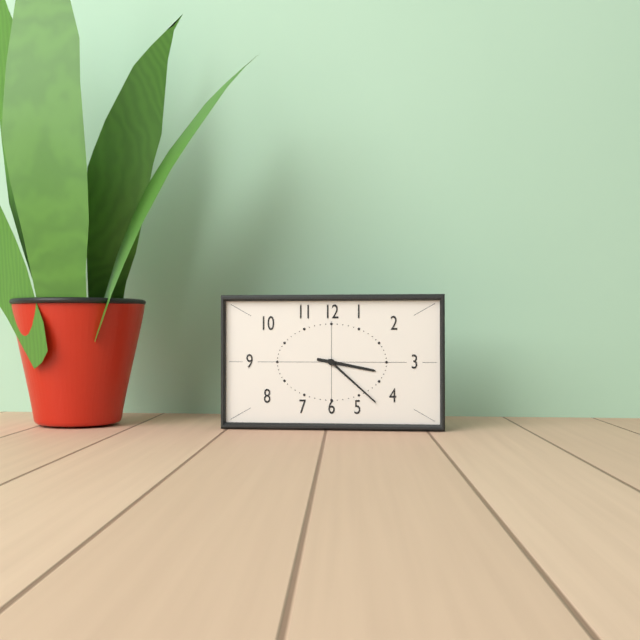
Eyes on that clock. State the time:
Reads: 3:22
